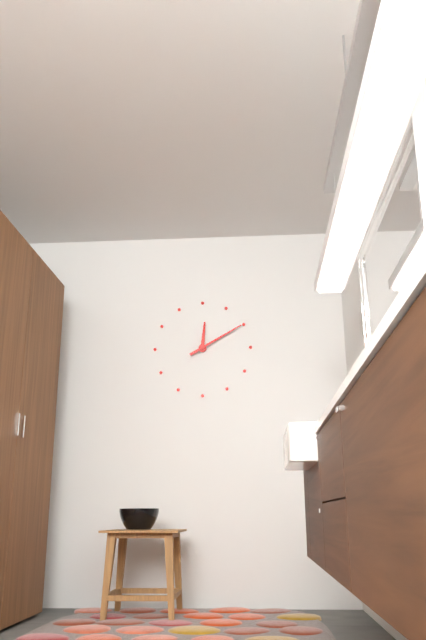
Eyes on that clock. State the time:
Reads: 12:10
